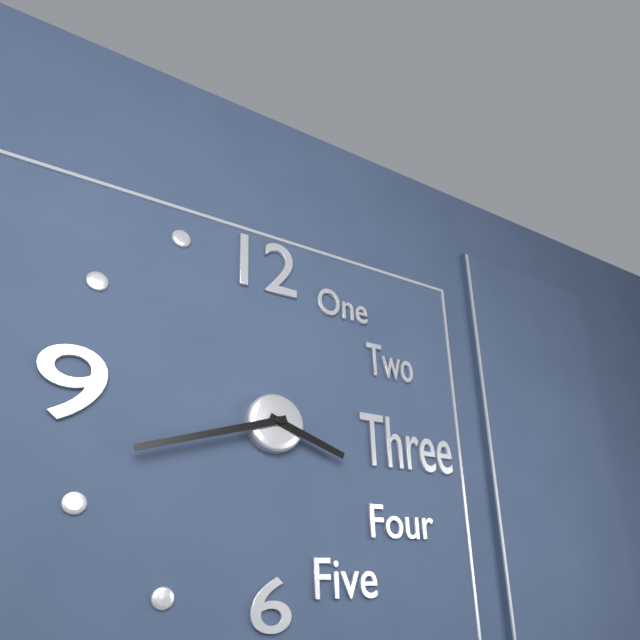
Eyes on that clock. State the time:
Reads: 3:42
